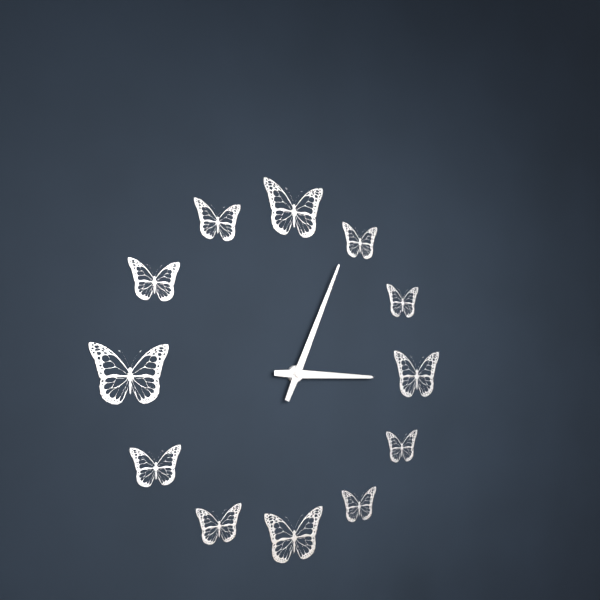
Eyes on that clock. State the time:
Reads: 3:04
